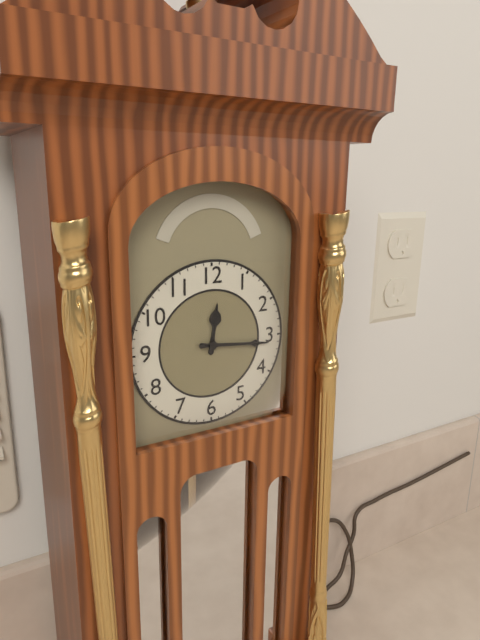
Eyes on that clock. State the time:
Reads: 12:16
